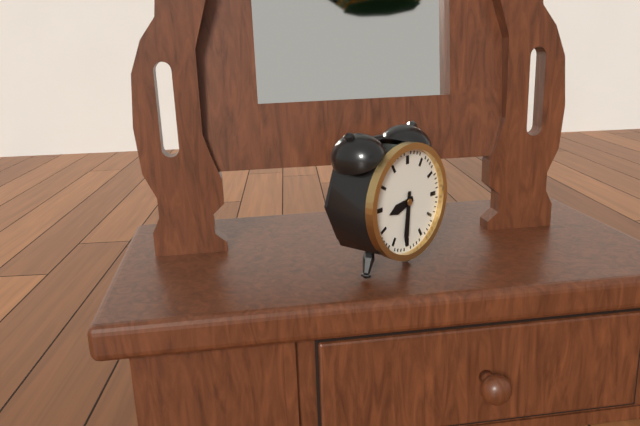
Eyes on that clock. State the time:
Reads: 8:31
